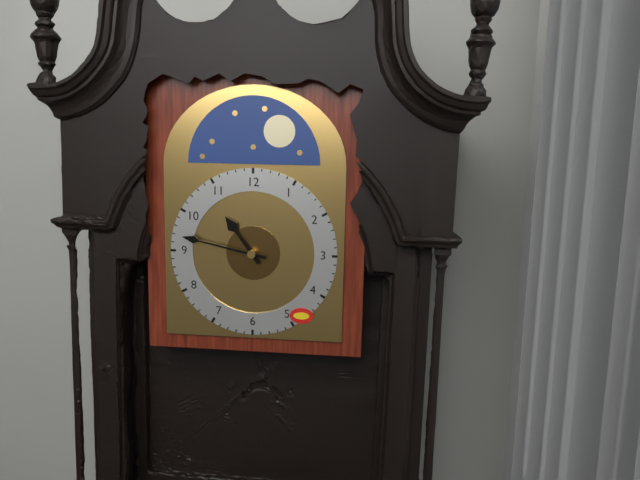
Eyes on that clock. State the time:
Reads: 10:47
